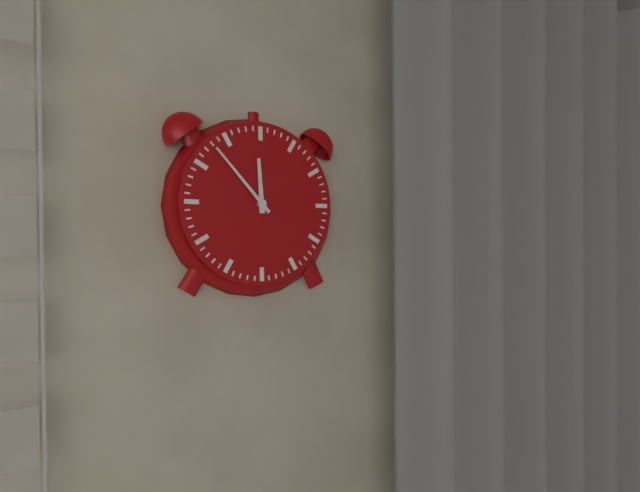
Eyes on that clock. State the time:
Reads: 11:53
